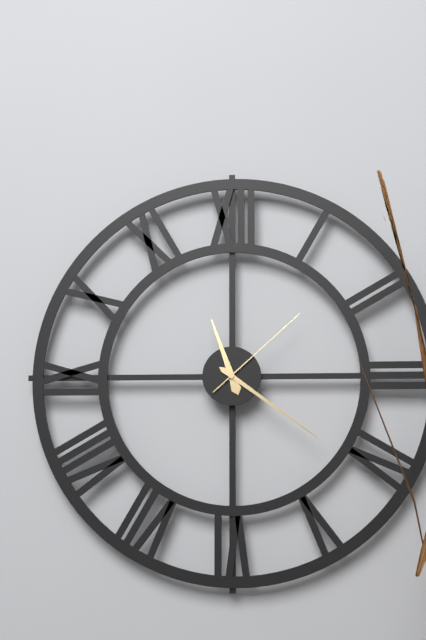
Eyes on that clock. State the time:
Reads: 11:21:08
